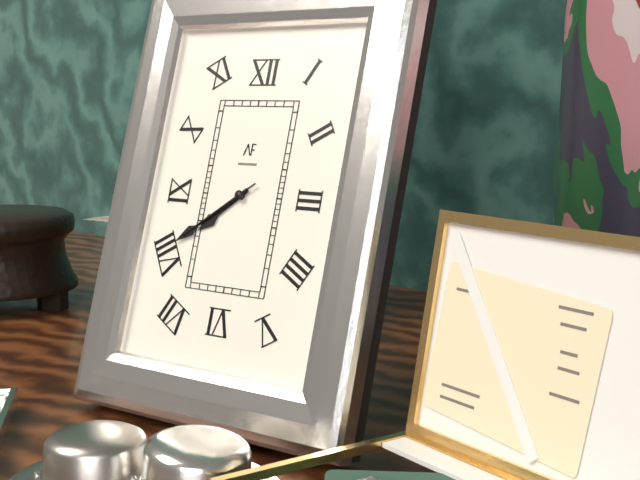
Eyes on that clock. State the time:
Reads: 7:39:39
